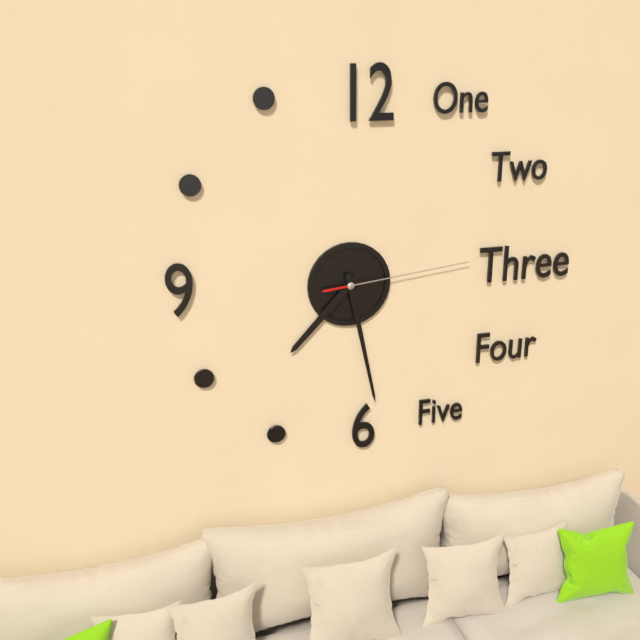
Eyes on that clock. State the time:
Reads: 7:28:14
